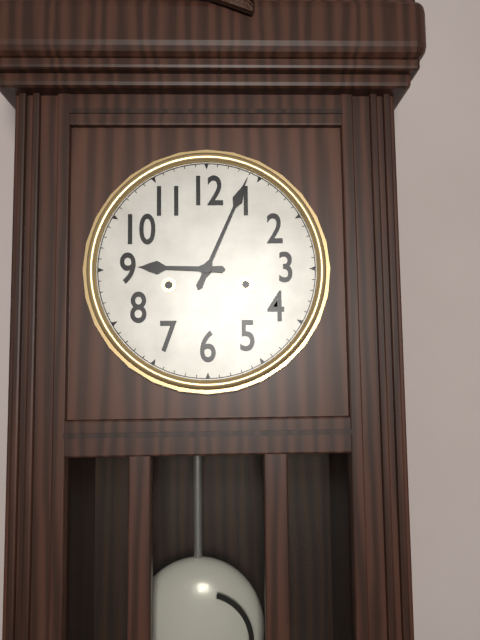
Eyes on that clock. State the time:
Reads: 9:04
